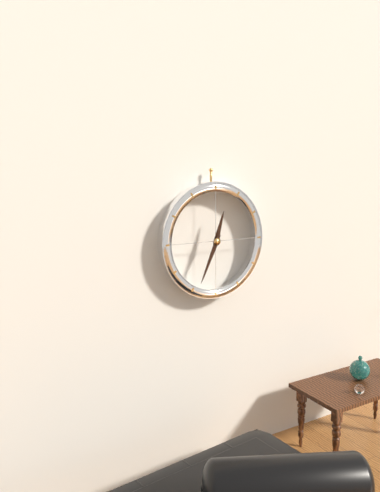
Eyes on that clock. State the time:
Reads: 12:34
